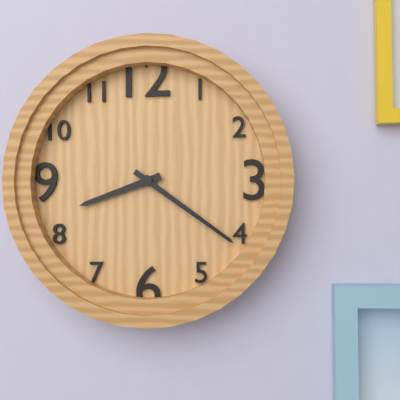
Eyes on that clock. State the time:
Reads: 8:21
